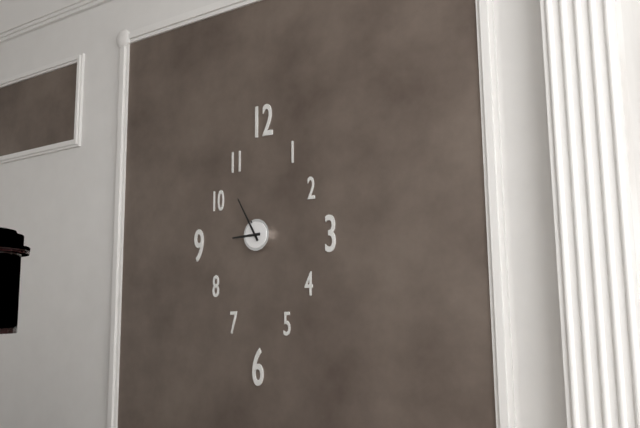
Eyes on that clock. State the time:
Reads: 8:55
